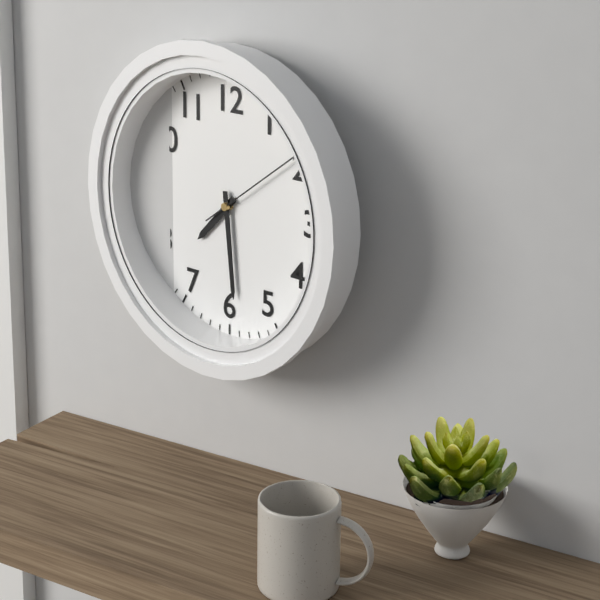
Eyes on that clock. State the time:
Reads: 7:29:09
